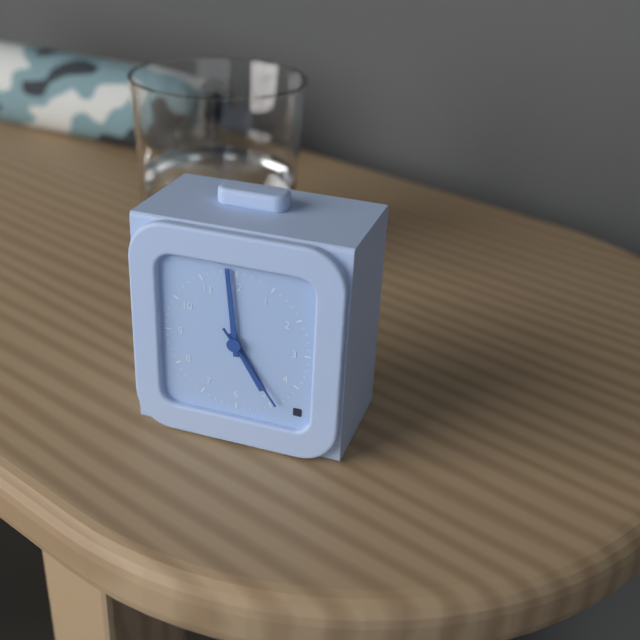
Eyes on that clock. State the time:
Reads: 4:59:24
